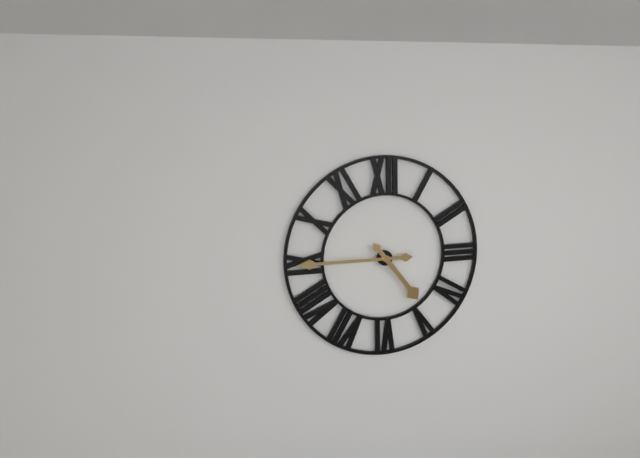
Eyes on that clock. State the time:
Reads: 4:45
